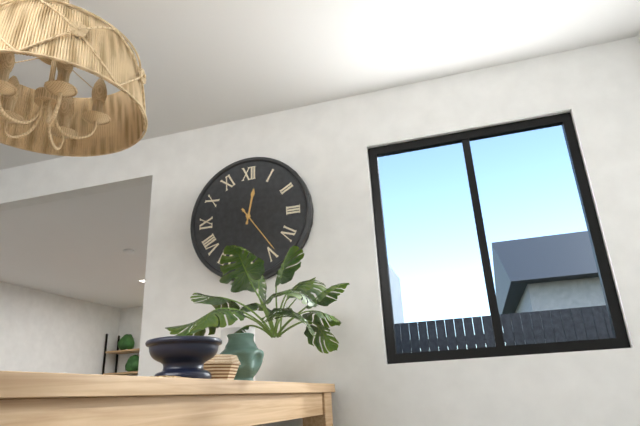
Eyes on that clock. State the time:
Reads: 12:24
